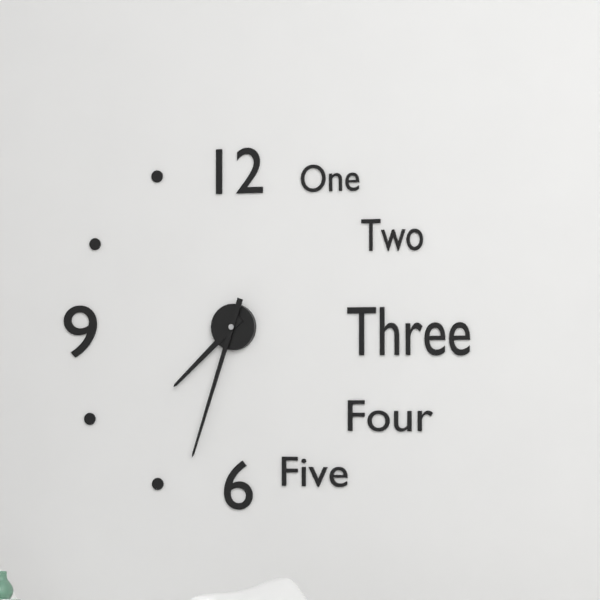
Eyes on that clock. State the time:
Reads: 7:33
